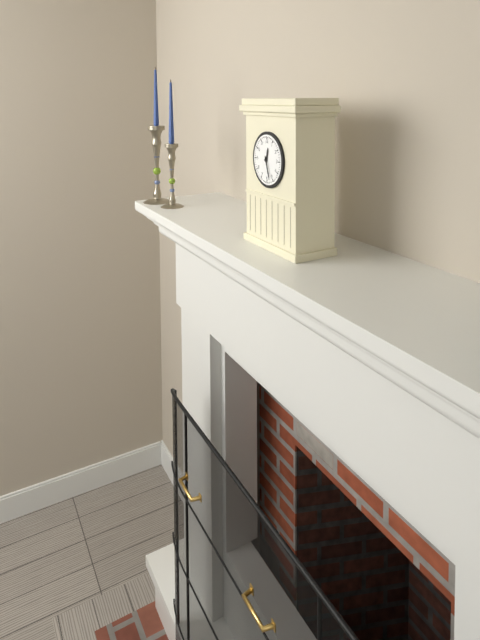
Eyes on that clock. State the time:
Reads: 12:27
